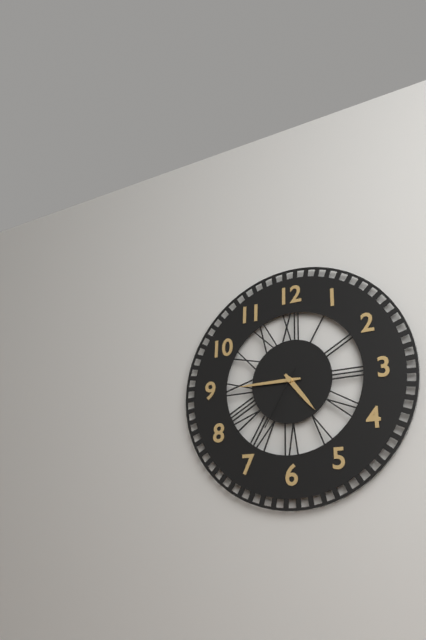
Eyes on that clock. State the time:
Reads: 4:45:35
